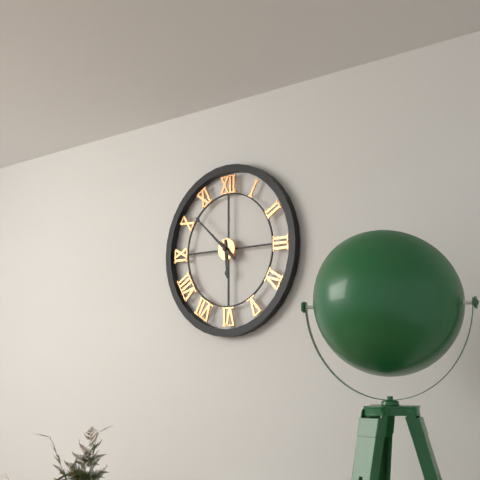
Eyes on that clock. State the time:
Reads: 5:52
